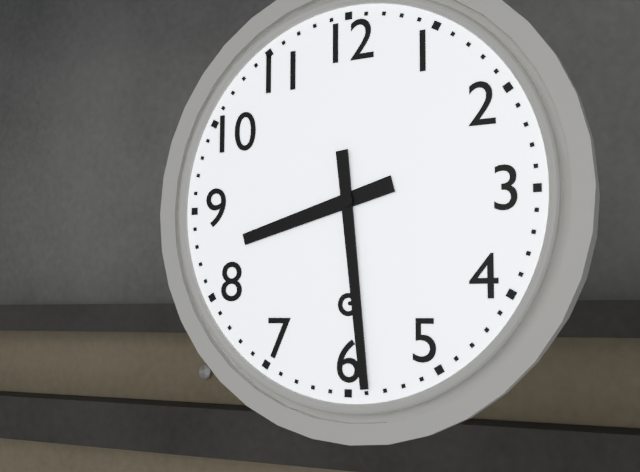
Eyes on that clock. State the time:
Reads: 8:29
